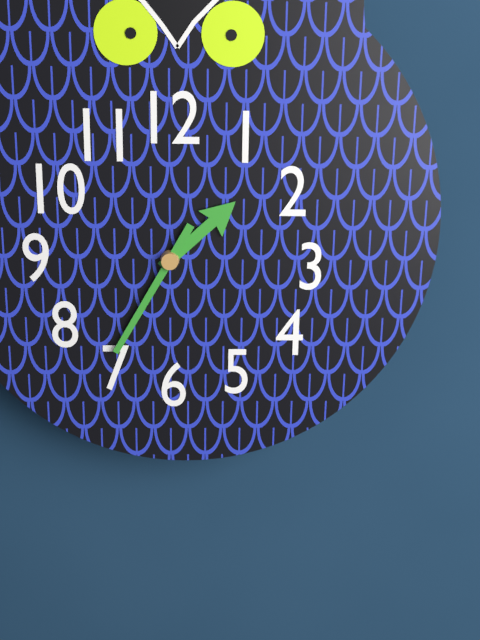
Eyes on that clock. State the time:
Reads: 1:35
